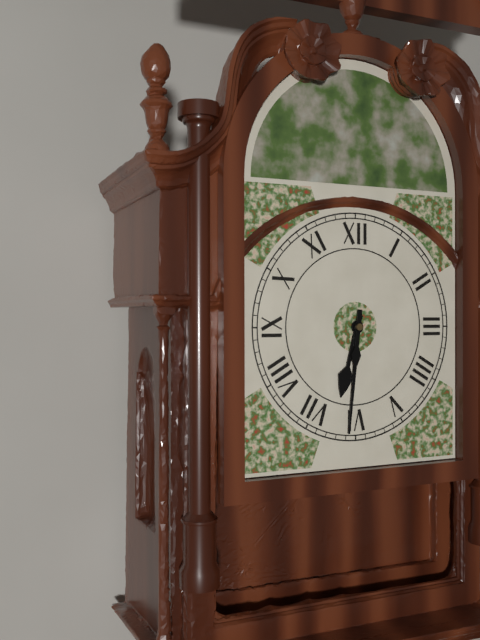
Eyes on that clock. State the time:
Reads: 6:31
